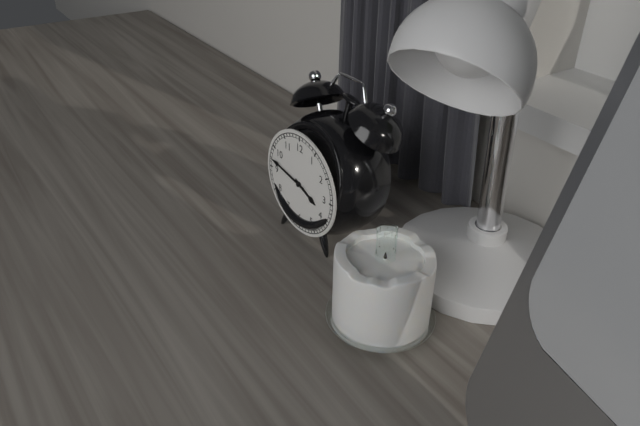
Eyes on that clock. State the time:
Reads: 3:47
